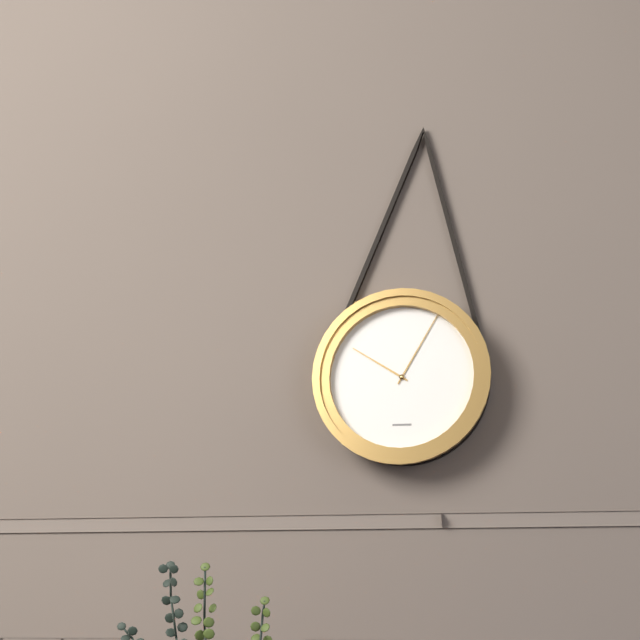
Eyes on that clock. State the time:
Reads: 10:05
